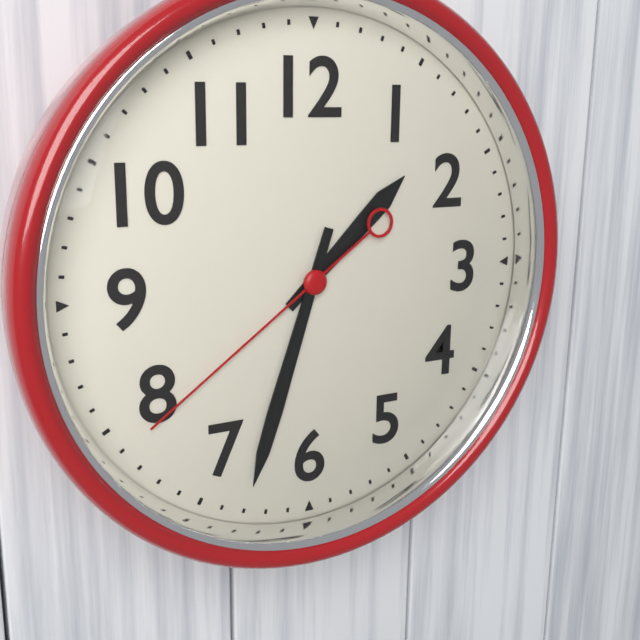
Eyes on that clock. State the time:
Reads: 1:33:39
